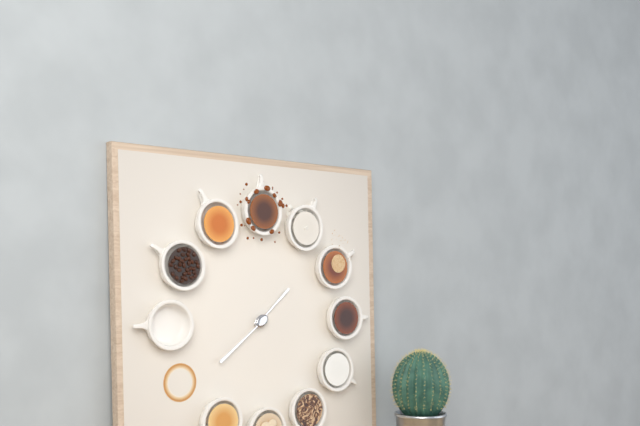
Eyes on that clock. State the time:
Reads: 1:39
